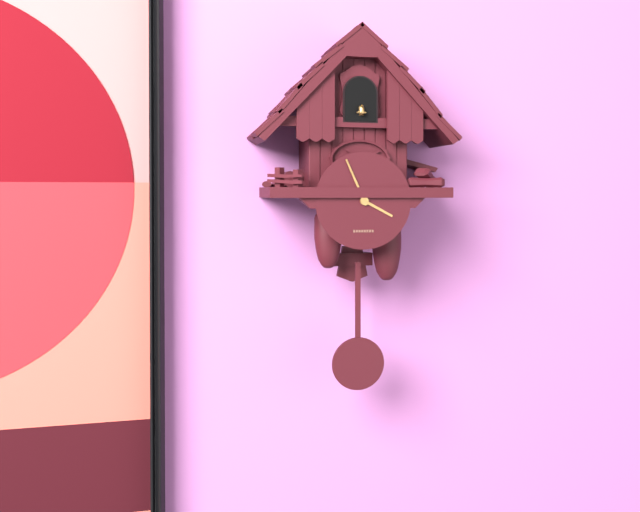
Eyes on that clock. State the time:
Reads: 3:56
